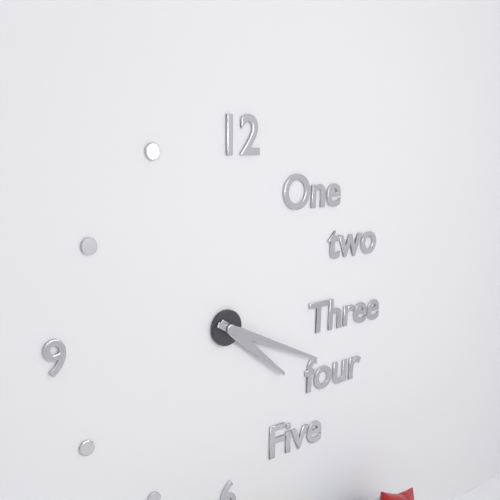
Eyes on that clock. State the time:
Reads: 4:19
